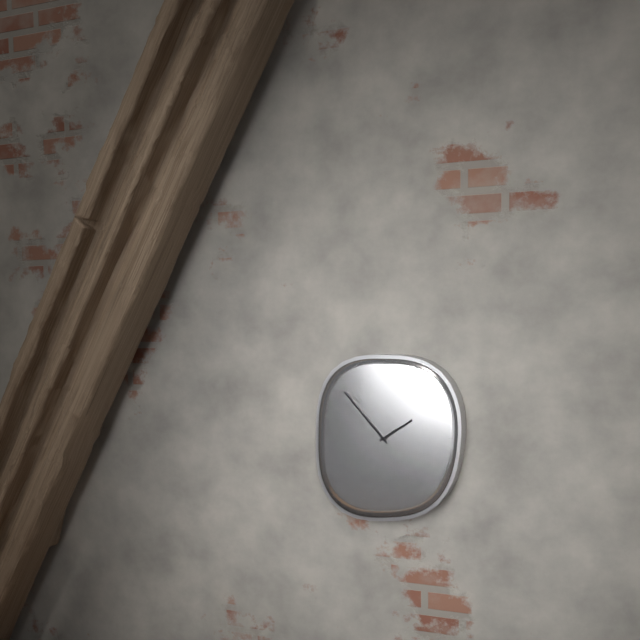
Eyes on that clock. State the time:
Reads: 1:53
